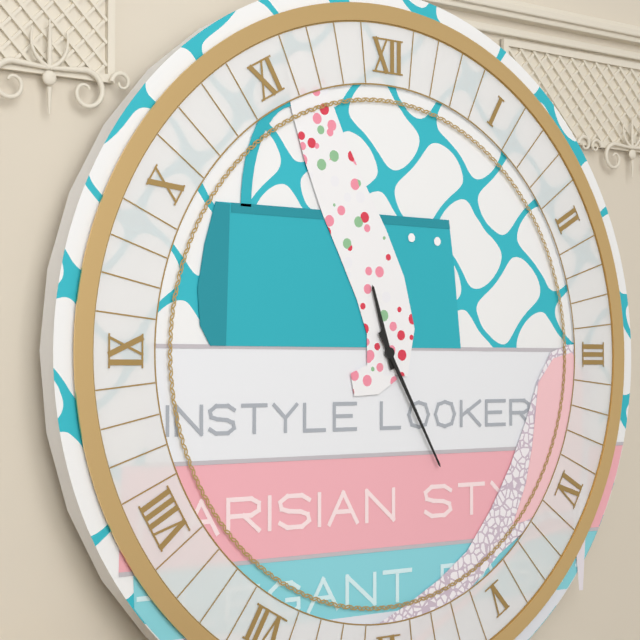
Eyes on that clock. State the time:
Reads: 11:25
